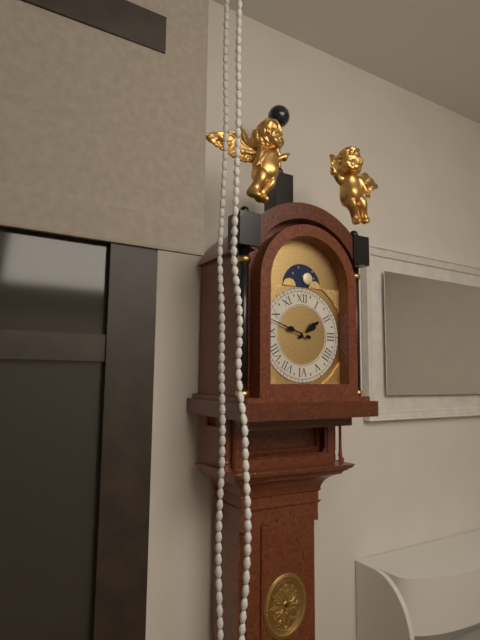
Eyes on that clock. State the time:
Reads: 1:48
